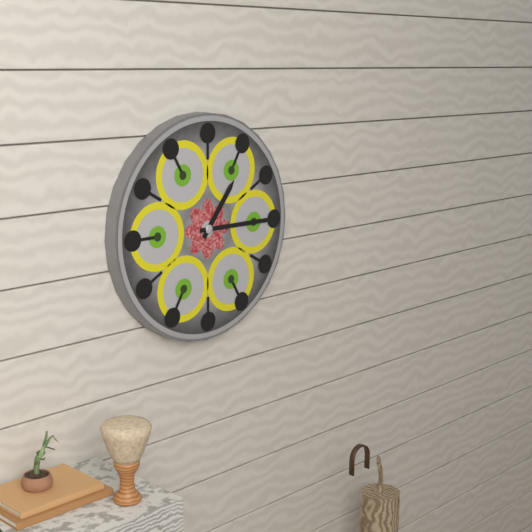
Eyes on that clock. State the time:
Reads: 1:15
